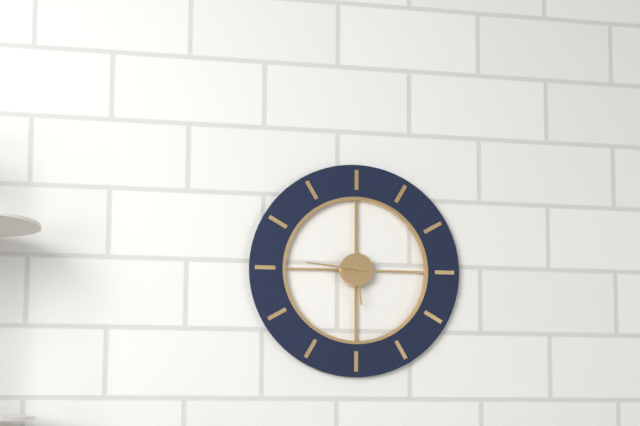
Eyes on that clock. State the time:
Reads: 5:46
